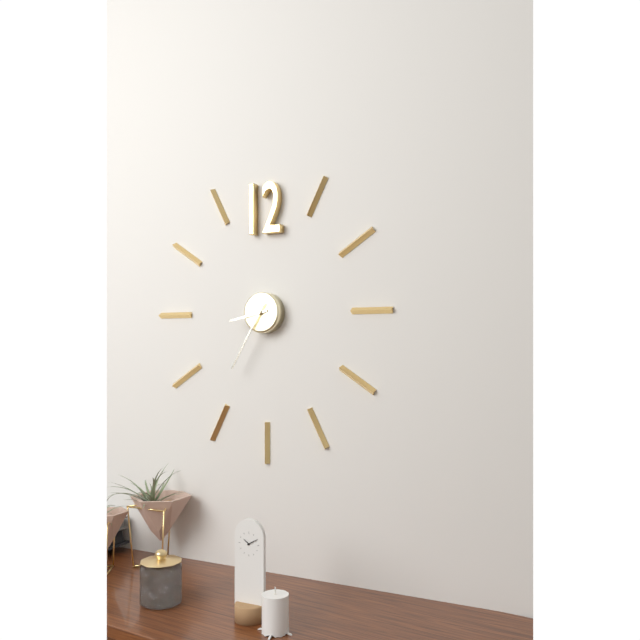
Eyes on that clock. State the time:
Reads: 8:35
